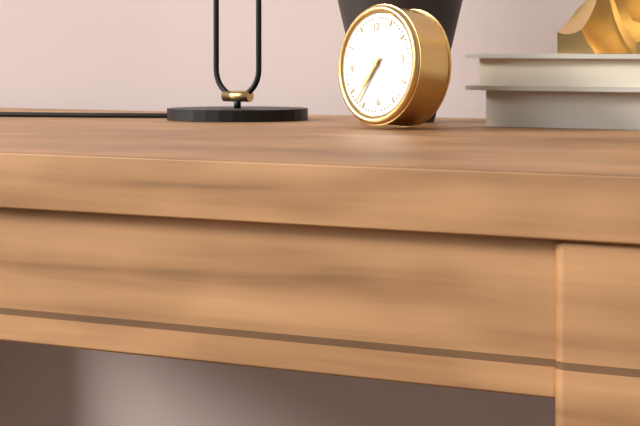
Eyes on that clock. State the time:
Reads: 7:37
